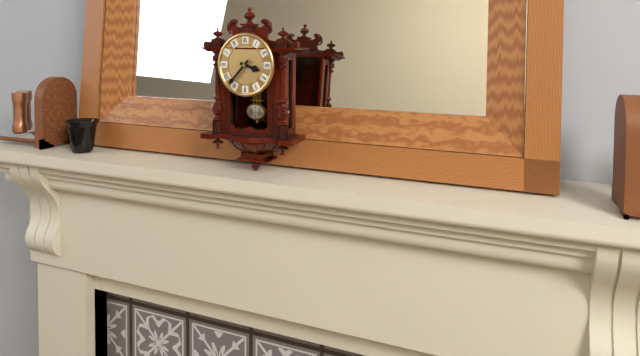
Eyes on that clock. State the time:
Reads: 3:37
